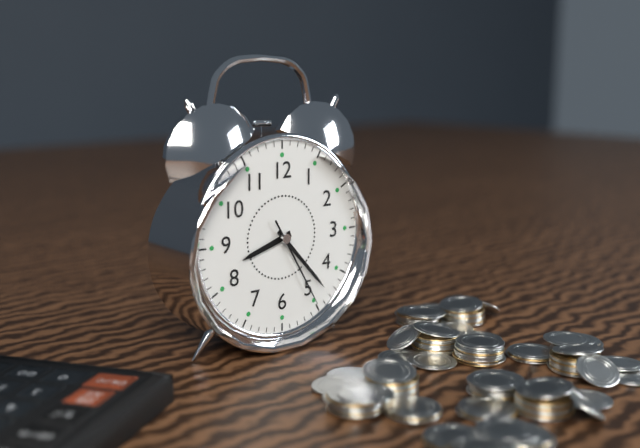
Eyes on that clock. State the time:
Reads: 8:23:25
